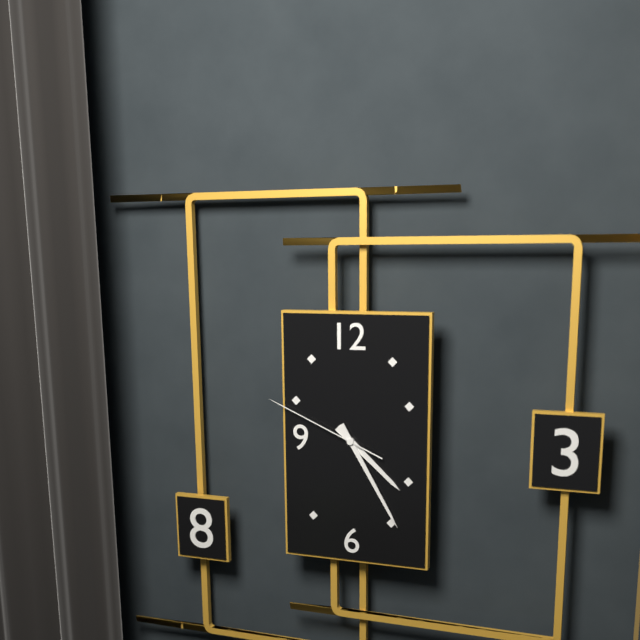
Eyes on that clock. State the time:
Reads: 4:25:49
